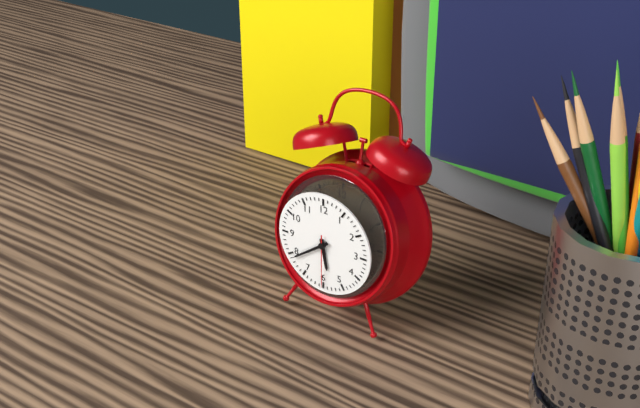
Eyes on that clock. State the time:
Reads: 5:39:30
